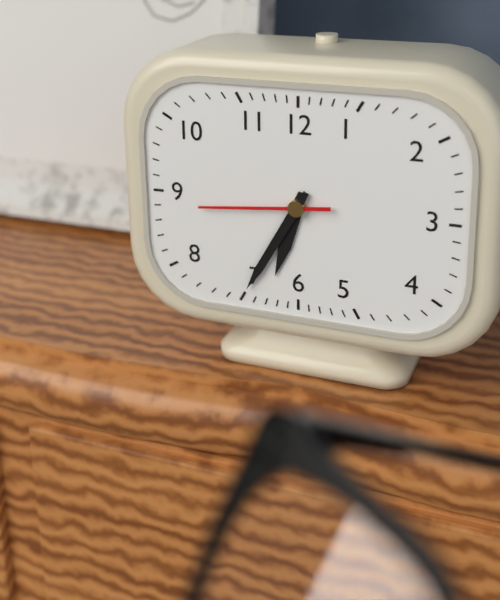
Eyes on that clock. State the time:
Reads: 6:35:44
